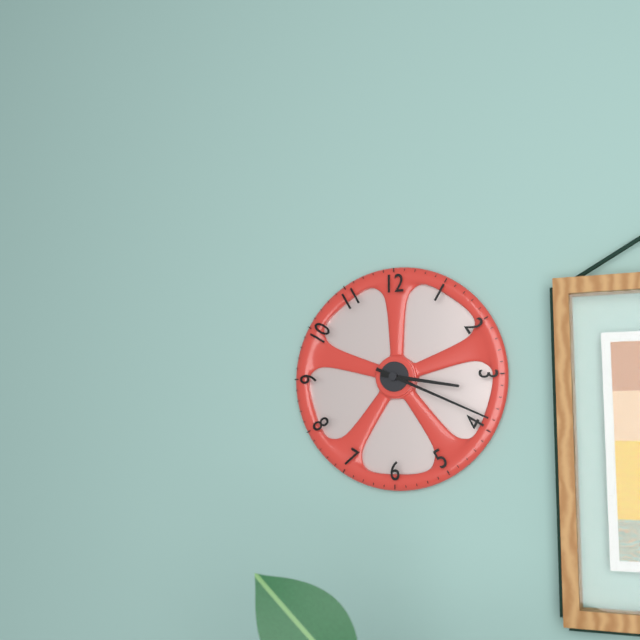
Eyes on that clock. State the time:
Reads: 3:19
